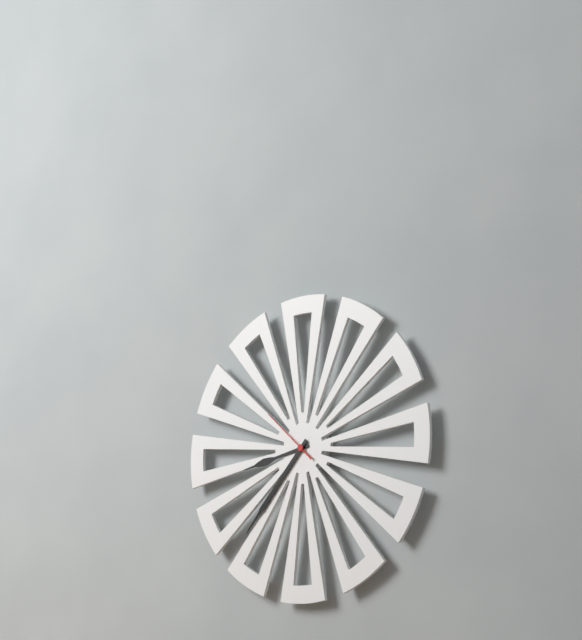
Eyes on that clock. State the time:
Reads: 8:37:52
